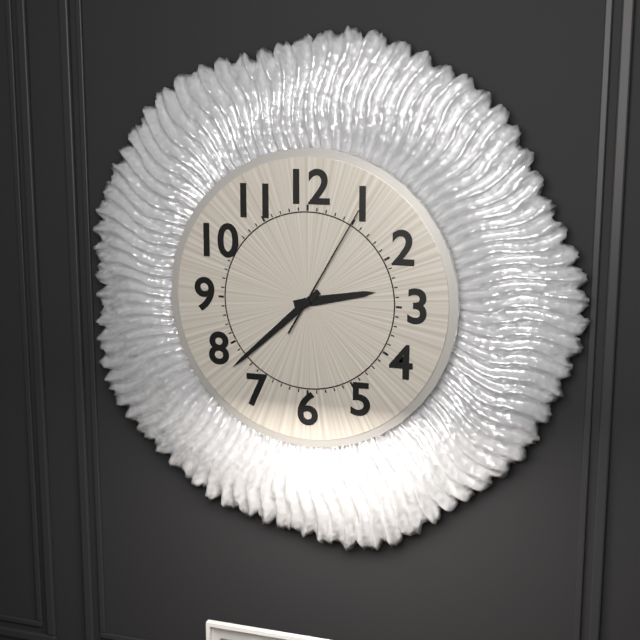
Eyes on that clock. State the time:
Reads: 2:38:05
